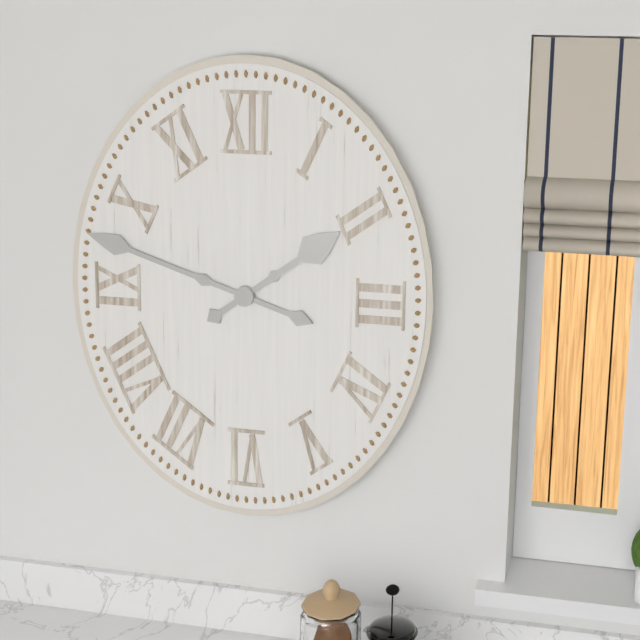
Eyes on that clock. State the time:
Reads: 1:48
